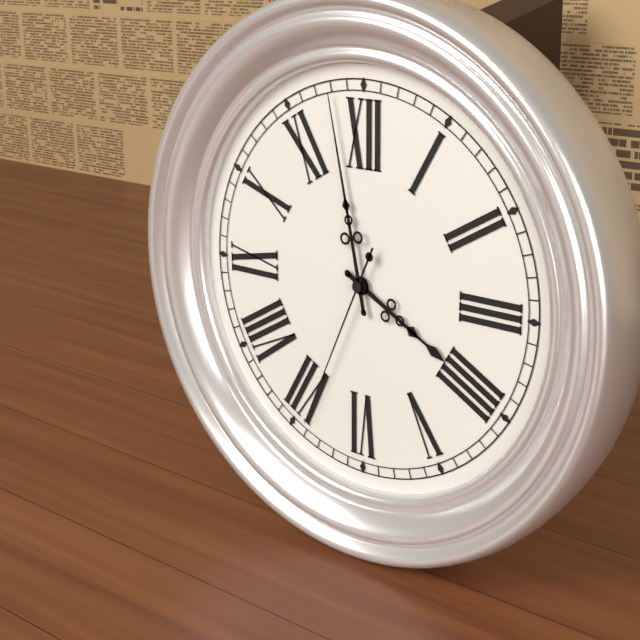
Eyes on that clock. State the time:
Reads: 3:58:34
